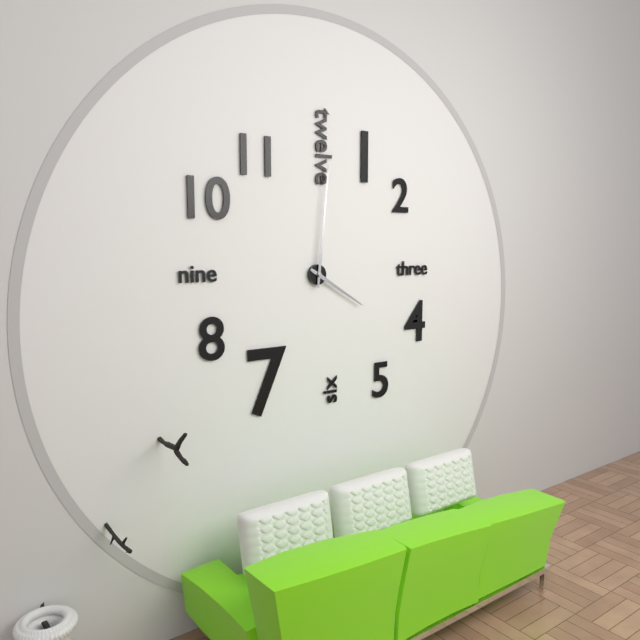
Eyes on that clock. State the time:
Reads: 4:01
